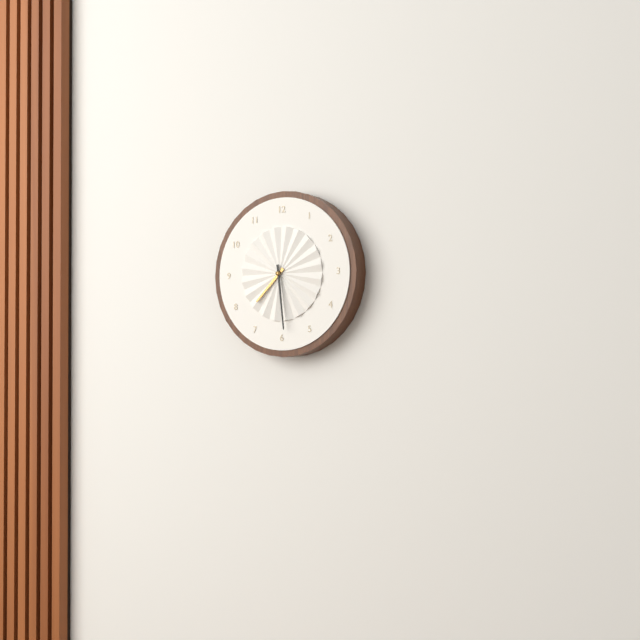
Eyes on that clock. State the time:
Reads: 7:29
